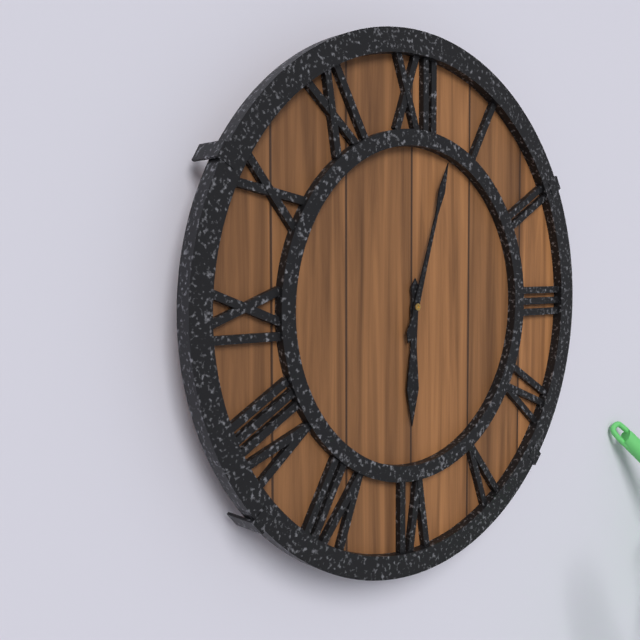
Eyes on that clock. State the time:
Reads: 6:03
